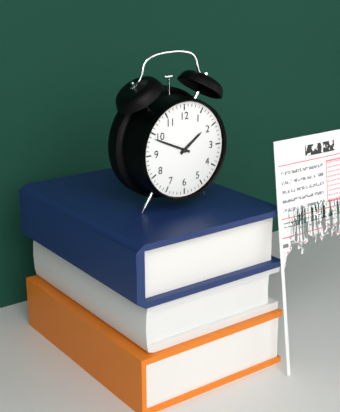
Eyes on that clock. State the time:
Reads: 1:49
